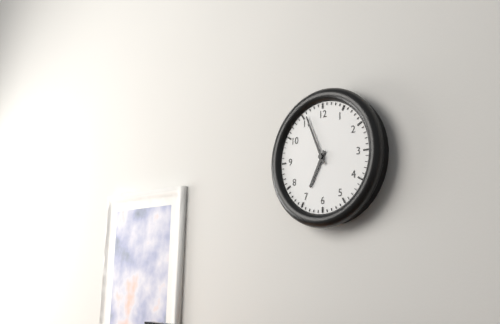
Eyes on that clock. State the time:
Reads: 6:56
